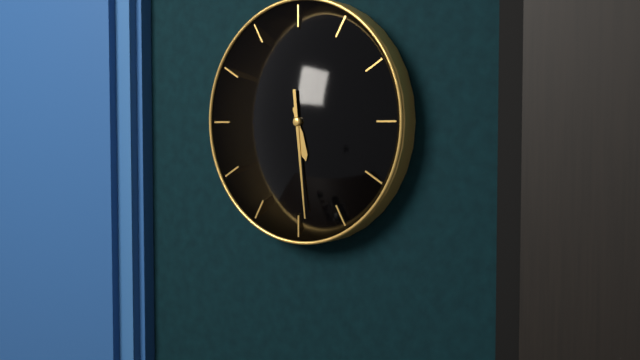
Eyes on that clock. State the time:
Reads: 5:29
